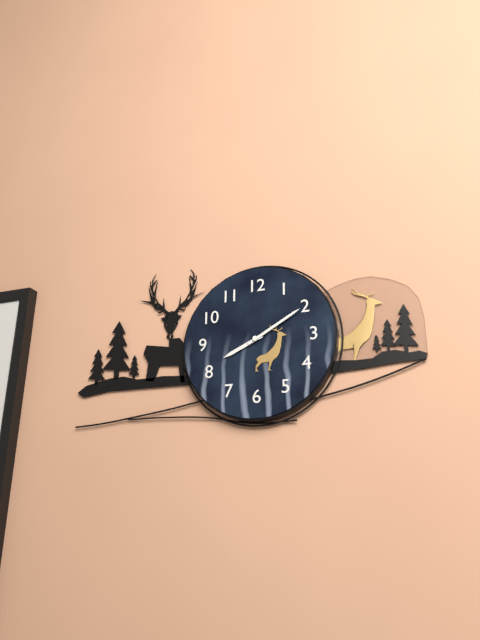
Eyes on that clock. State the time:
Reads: 8:10
